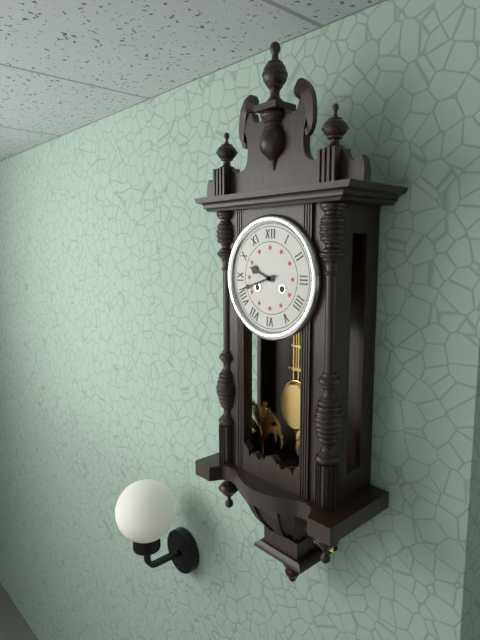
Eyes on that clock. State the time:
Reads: 9:42
